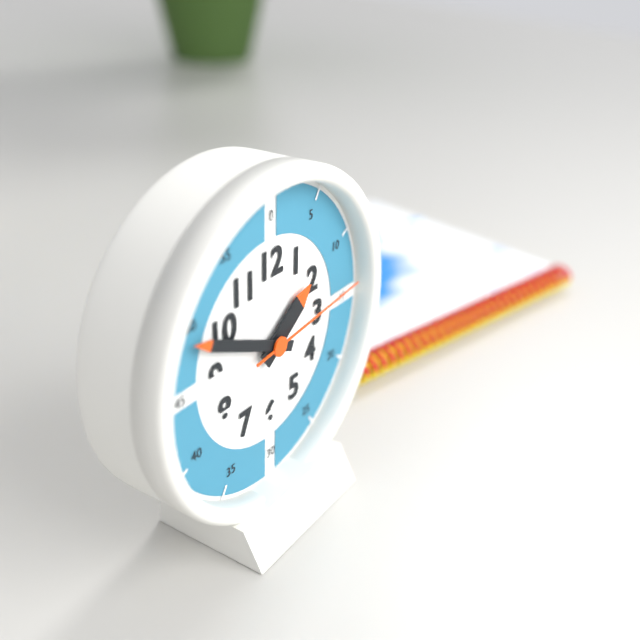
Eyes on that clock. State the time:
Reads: 1:49:14
